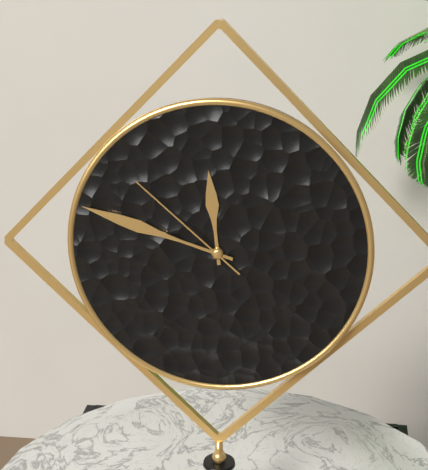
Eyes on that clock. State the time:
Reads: 11:48:52
